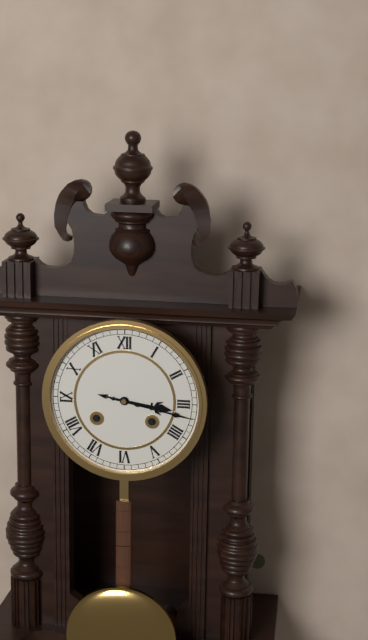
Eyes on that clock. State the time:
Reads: 3:17
